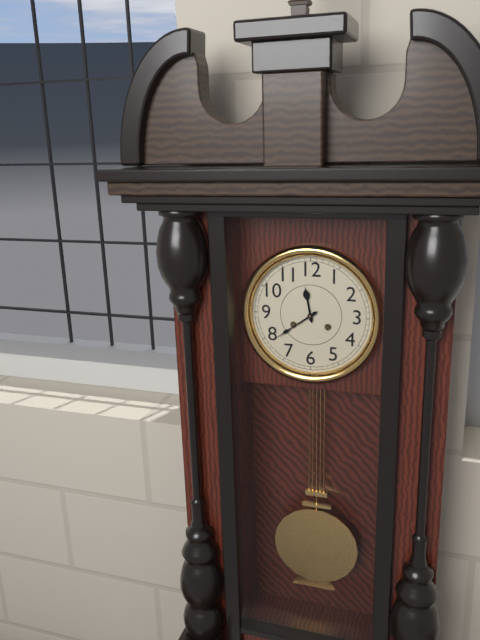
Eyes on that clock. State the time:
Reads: 11:39
